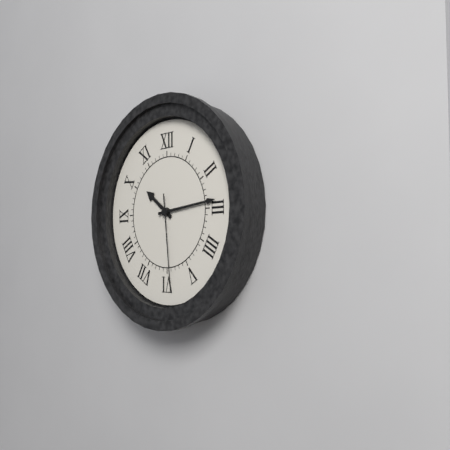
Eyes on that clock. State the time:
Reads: 10:14:29
